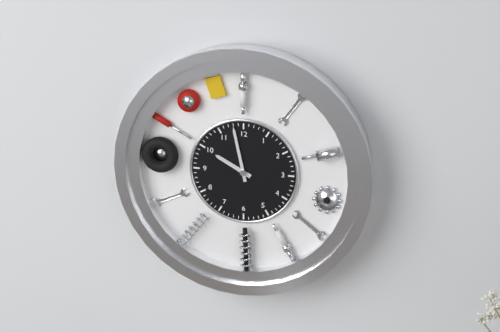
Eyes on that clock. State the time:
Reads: 9:58
